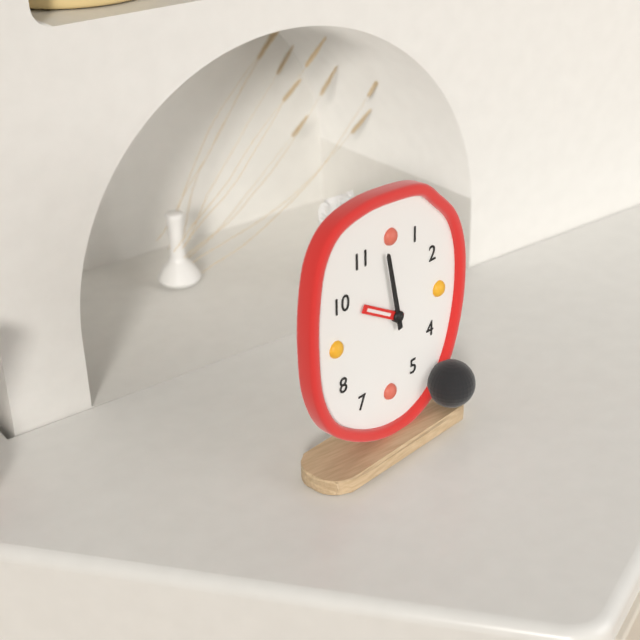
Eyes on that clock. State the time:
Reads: 9:58
